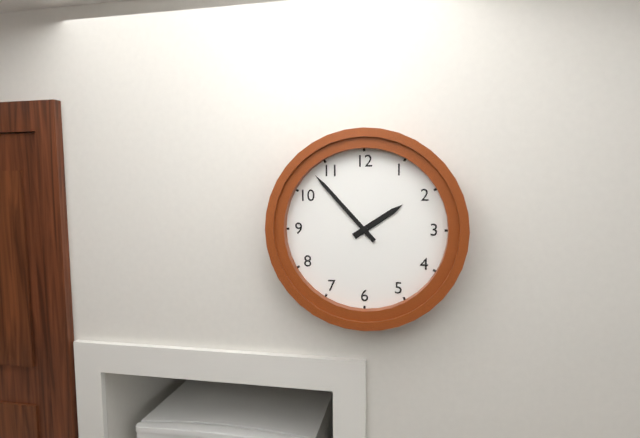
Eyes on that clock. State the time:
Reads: 1:53
